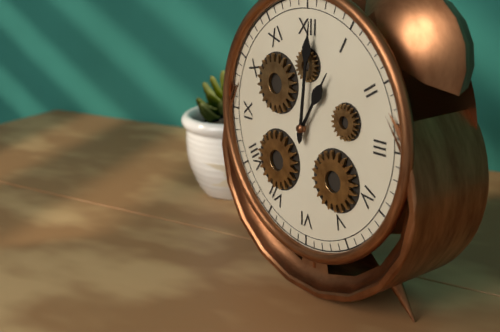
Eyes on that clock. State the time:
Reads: 1:01
